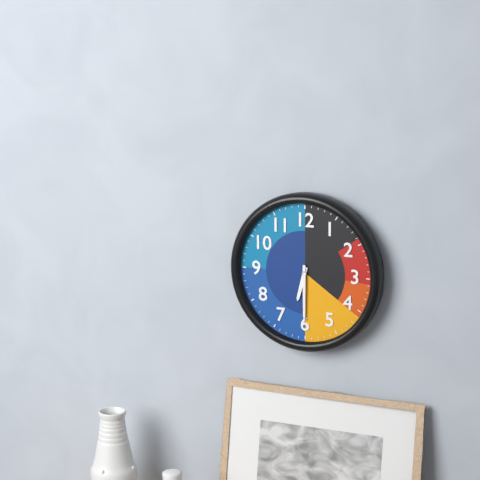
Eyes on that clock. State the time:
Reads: 6:30
